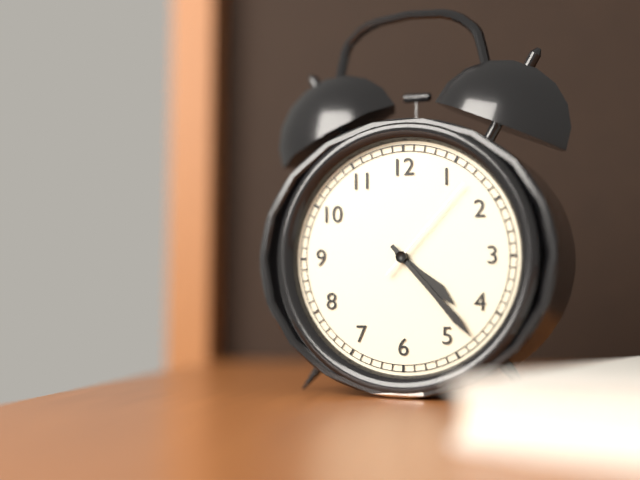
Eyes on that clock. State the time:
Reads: 4:23:07
